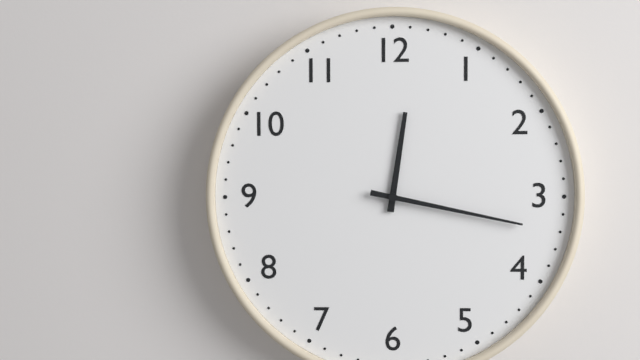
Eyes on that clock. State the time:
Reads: 12:17
